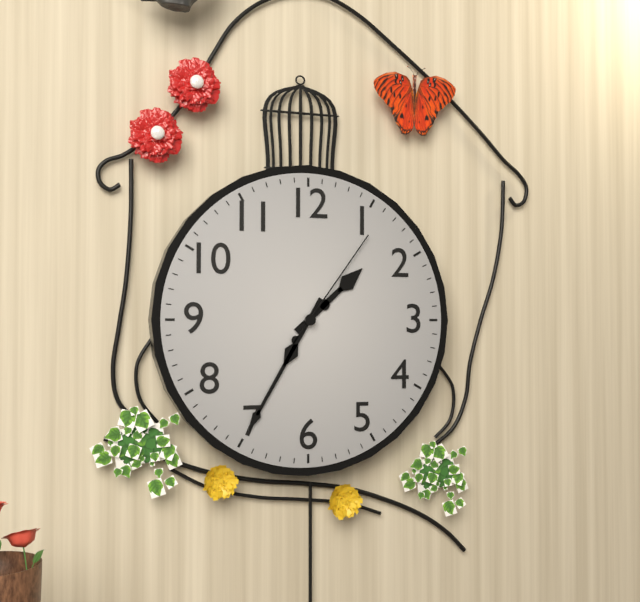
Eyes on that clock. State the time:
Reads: 1:35:06
